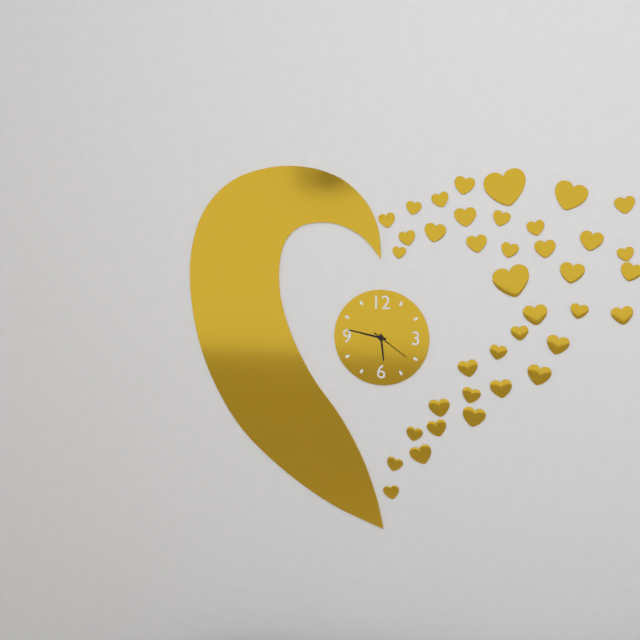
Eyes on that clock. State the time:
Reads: 5:47
